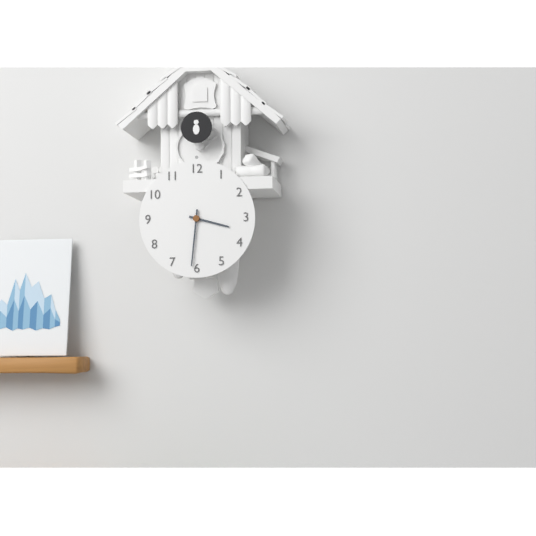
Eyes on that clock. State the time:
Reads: 3:31
